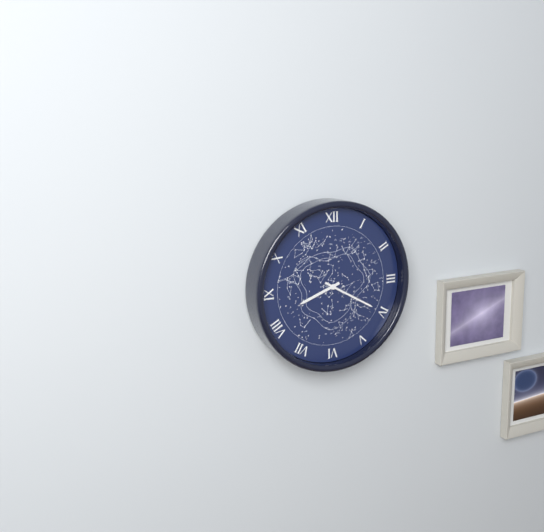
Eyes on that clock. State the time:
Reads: 8:20
